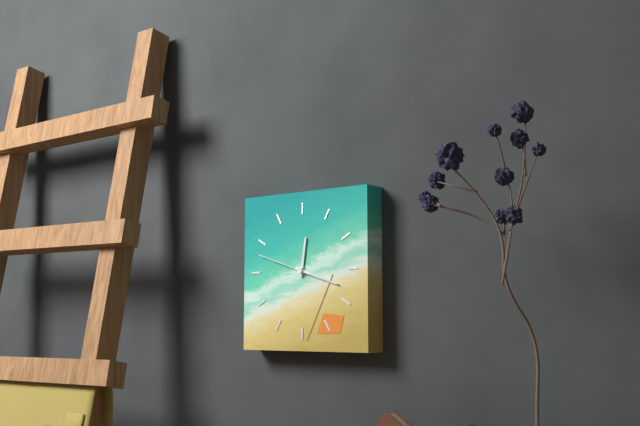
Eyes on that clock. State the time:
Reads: 12:18:48
